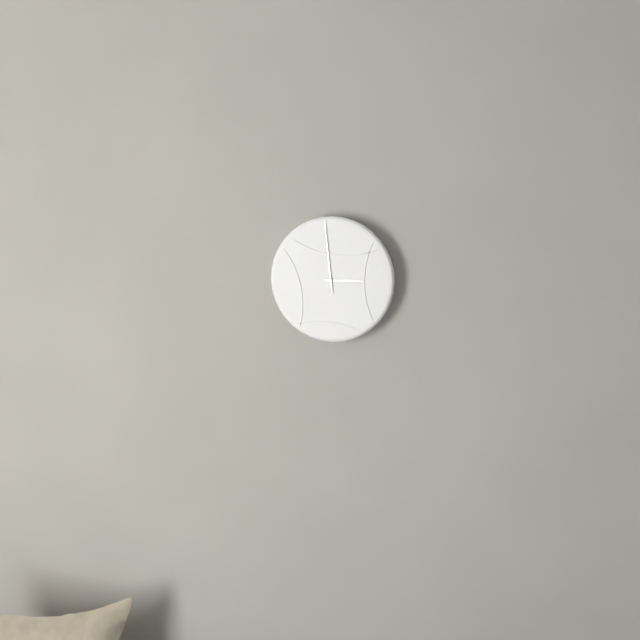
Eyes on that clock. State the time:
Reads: 2:59
